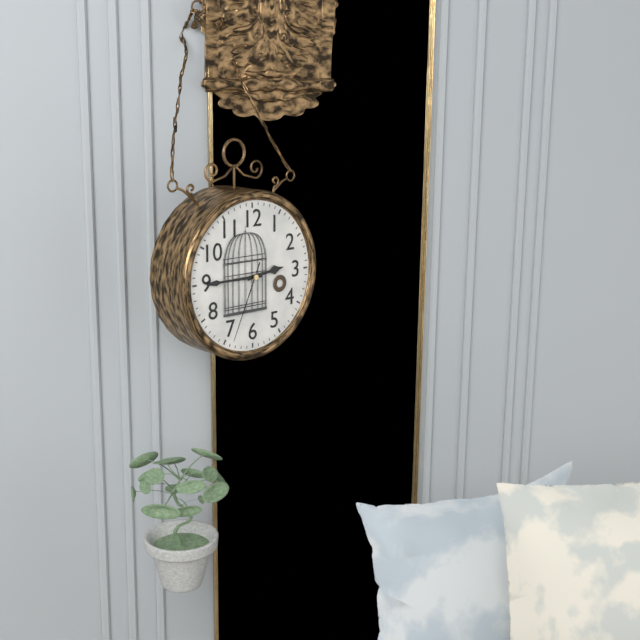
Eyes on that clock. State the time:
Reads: 2:45:34
